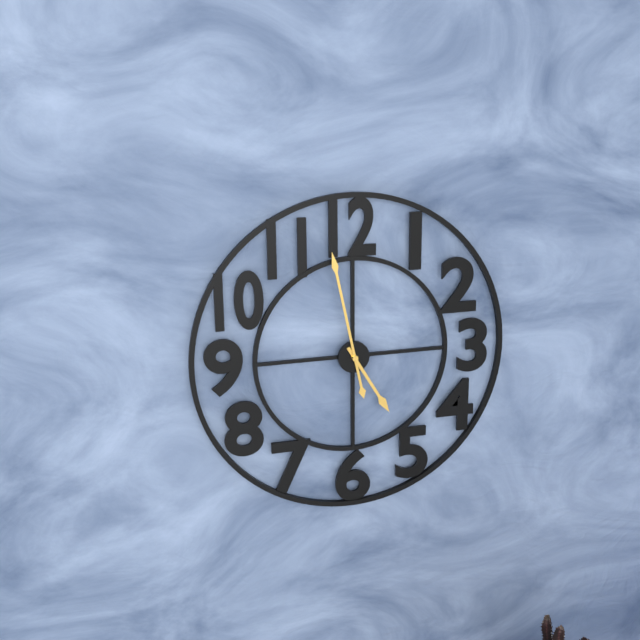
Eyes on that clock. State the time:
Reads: 4:58
